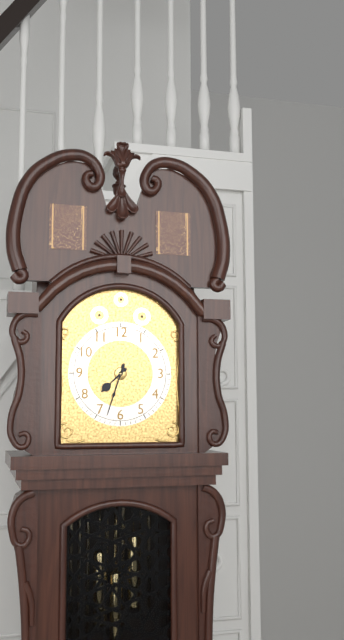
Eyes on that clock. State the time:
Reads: 7:33
